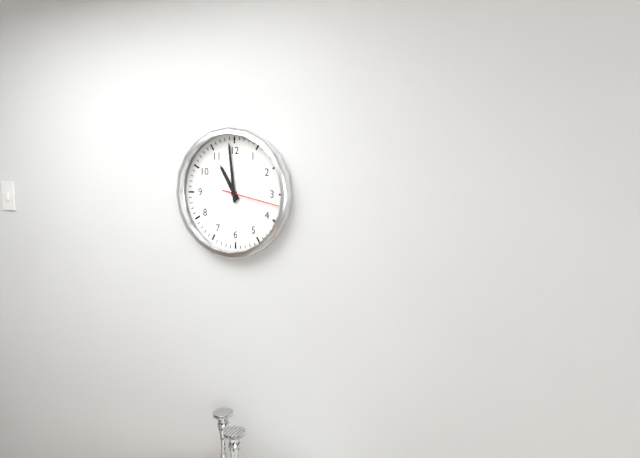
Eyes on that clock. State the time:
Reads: 10:59:17
